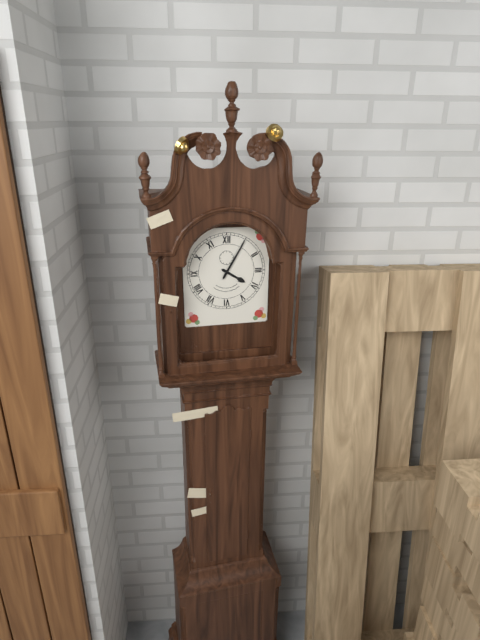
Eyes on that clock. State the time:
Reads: 4:05
